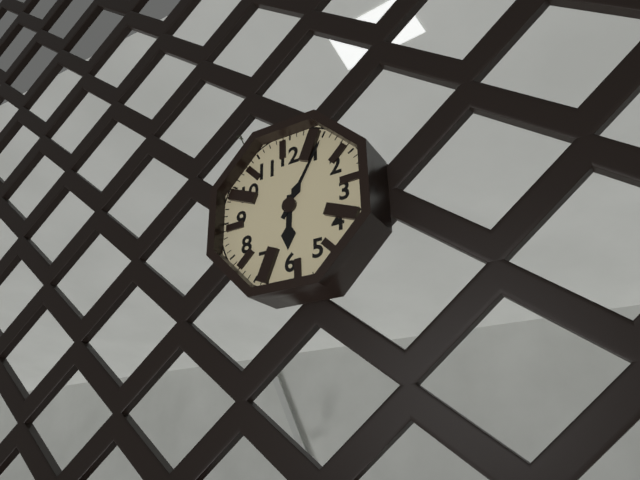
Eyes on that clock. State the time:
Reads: 6:05
